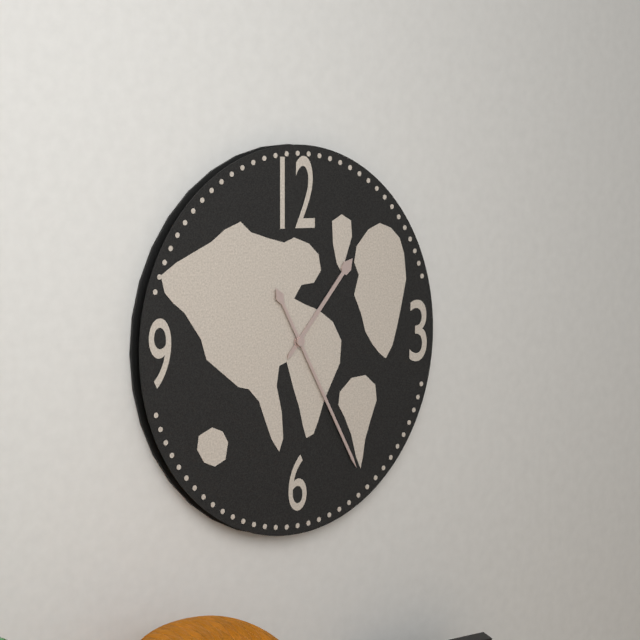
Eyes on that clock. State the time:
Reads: 1:25
